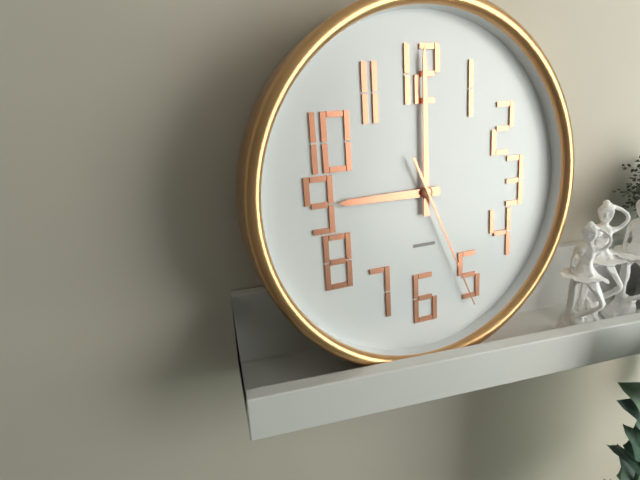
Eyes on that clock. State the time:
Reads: 9:00:26
